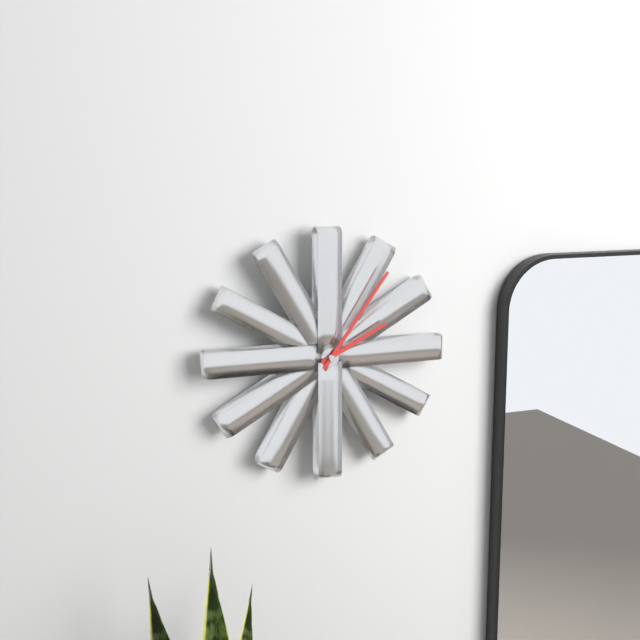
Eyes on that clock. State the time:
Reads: 2:06
